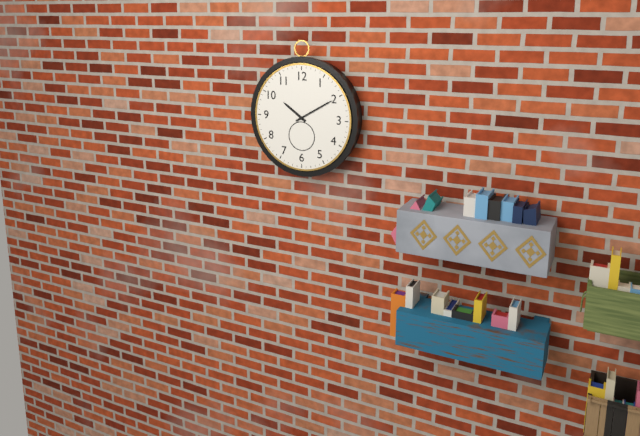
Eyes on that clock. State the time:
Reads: 10:10
